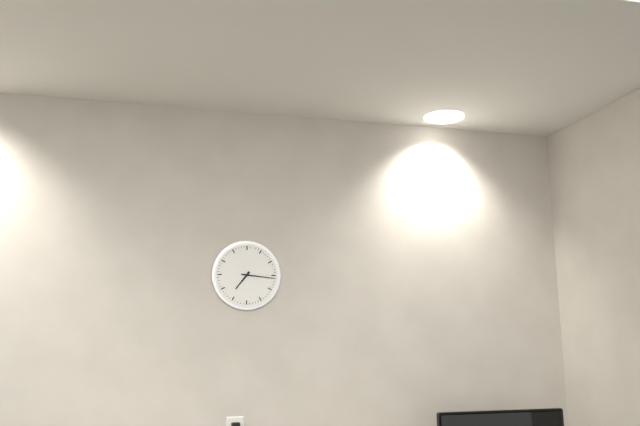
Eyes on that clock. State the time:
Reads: 7:16
